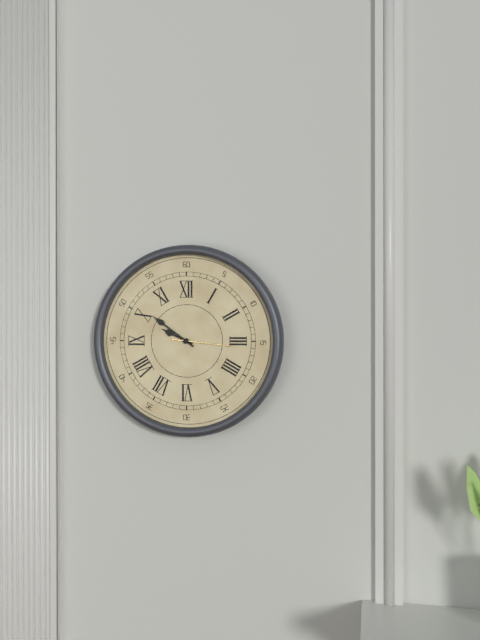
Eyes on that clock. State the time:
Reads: 9:51:16
